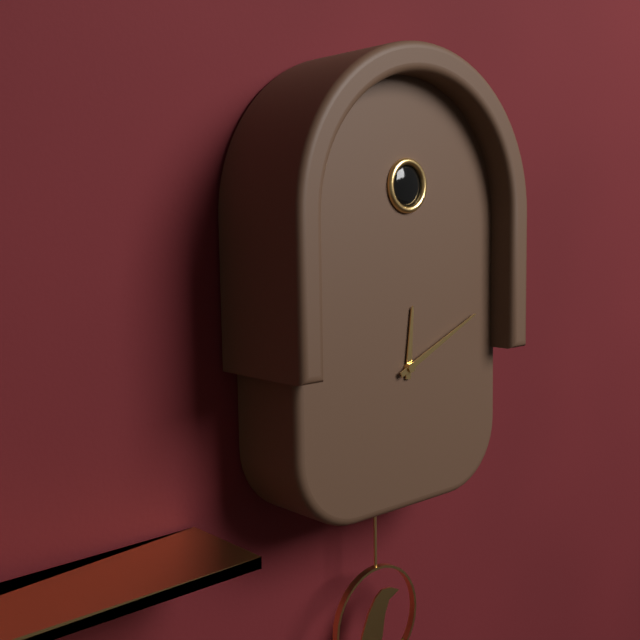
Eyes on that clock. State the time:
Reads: 12:11
